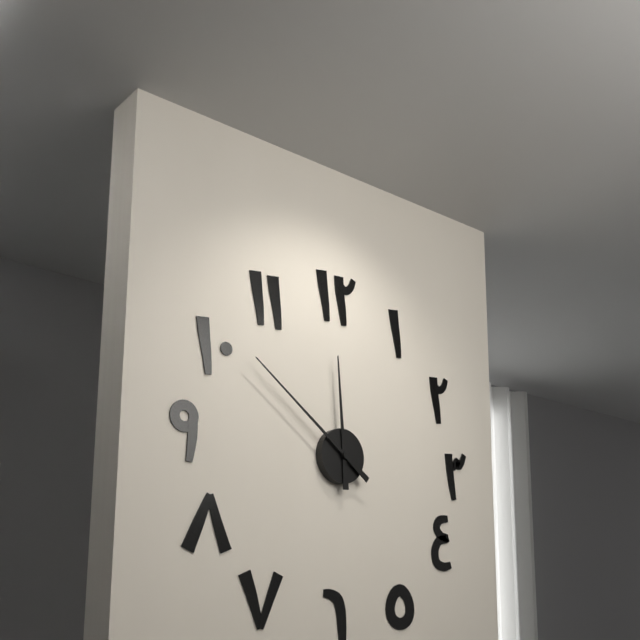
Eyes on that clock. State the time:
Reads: 11:51
